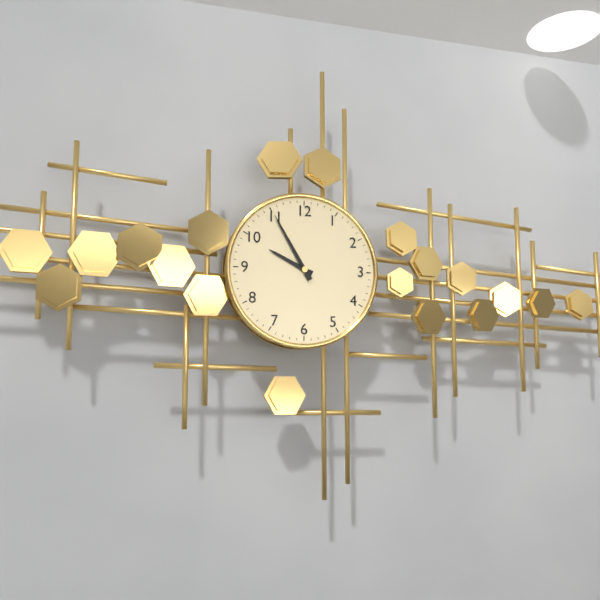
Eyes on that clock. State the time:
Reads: 9:55
